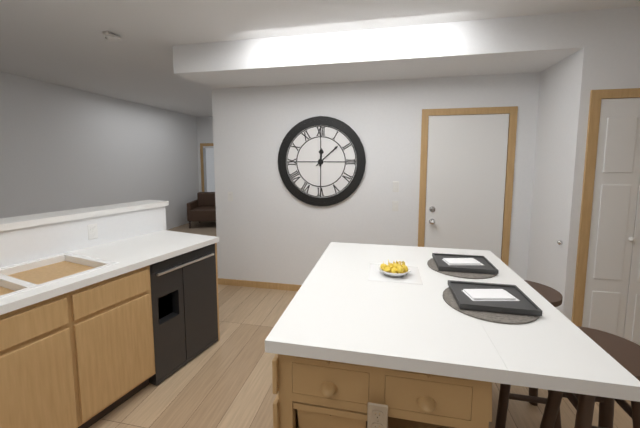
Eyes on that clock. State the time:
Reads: 12:08
